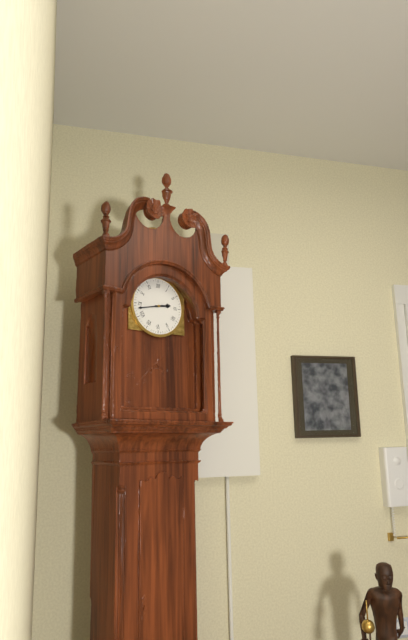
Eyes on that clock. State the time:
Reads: 2:43
